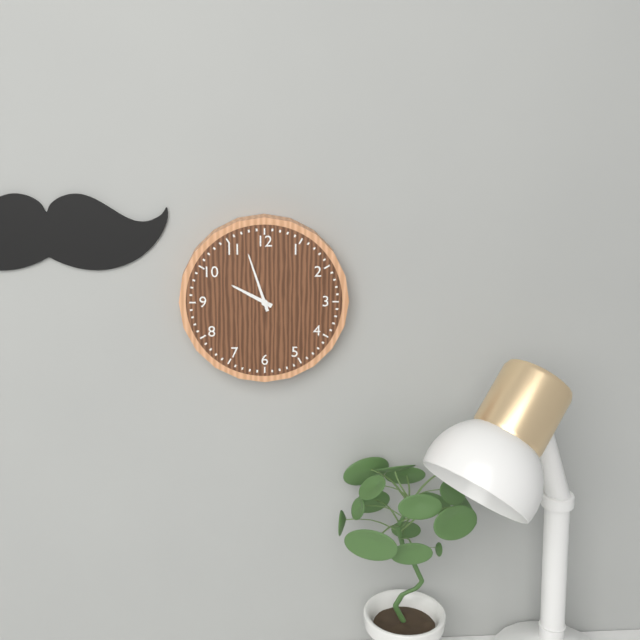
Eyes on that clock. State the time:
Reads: 9:57
